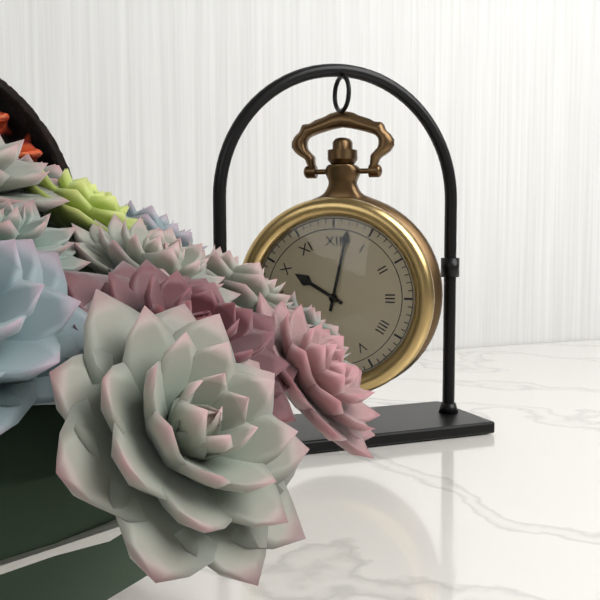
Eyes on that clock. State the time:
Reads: 10:02
